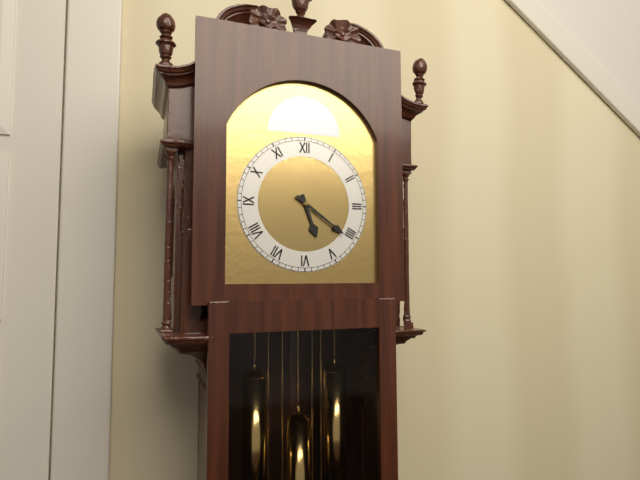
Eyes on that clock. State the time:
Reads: 5:21
